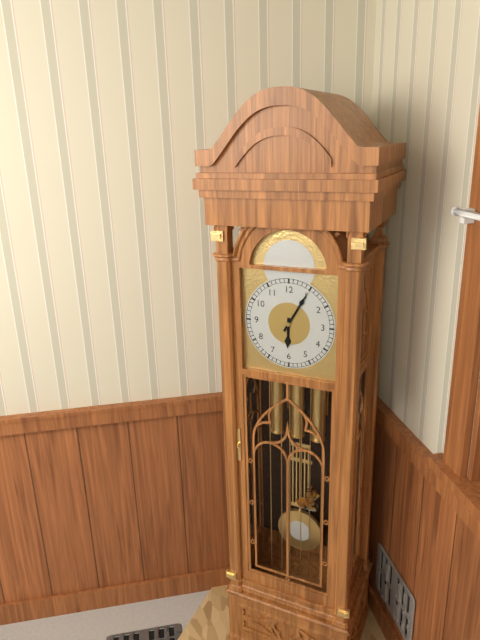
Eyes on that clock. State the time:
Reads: 6:05
